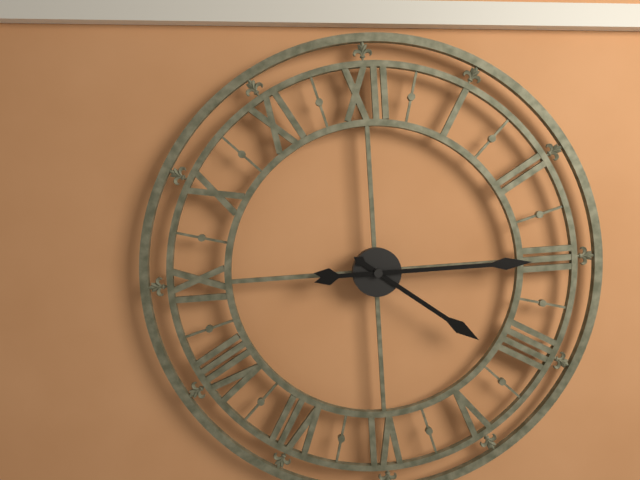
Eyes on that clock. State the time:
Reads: 4:15
